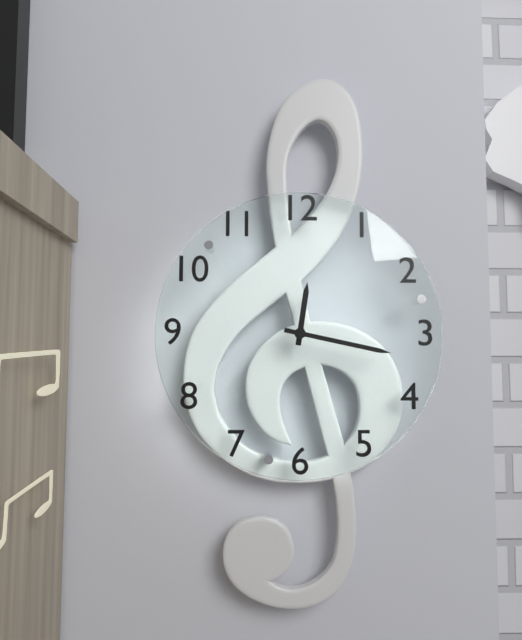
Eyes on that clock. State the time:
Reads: 12:17
